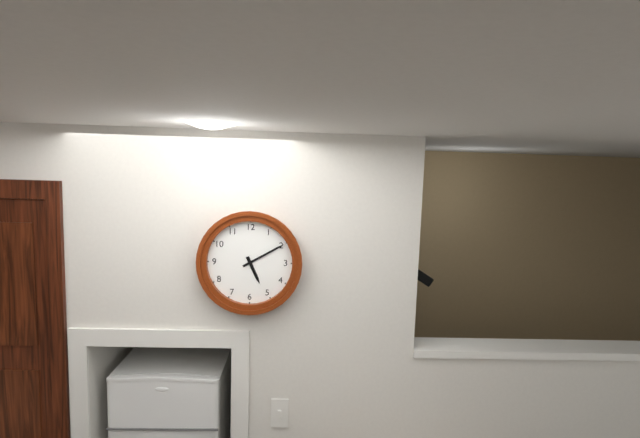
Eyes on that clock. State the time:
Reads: 5:10
